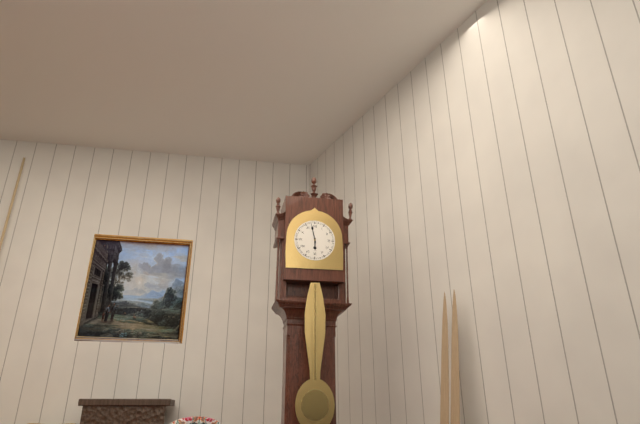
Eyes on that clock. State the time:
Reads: 5:58
